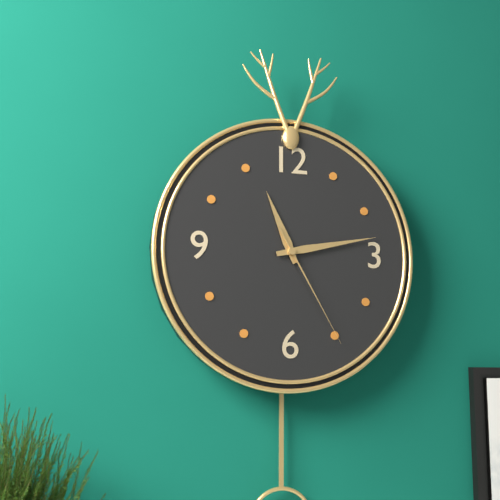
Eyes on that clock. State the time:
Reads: 11:13:25
